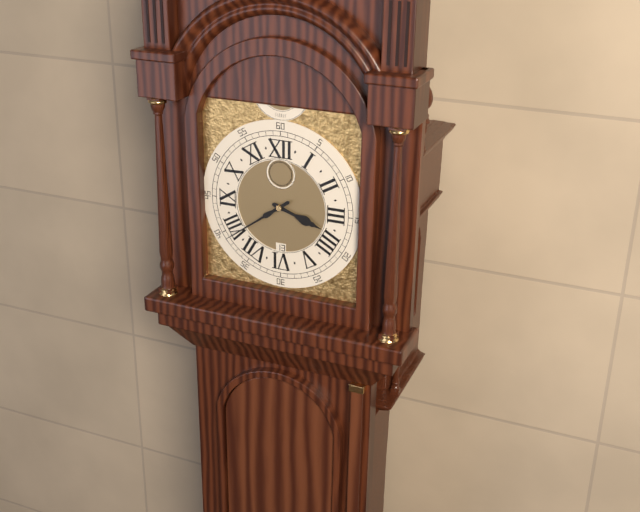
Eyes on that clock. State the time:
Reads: 3:39
